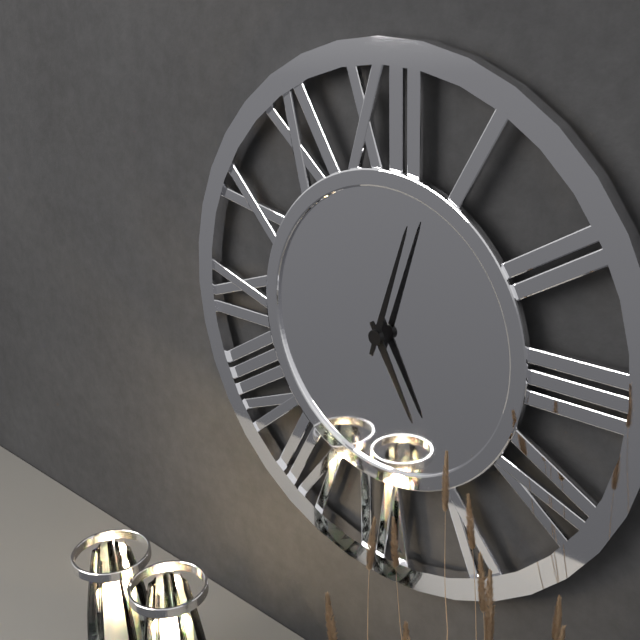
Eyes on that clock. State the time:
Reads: 5:03
